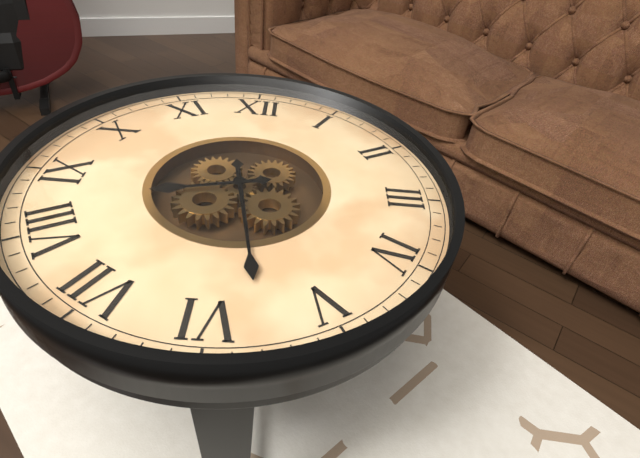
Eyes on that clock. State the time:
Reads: 8:28
